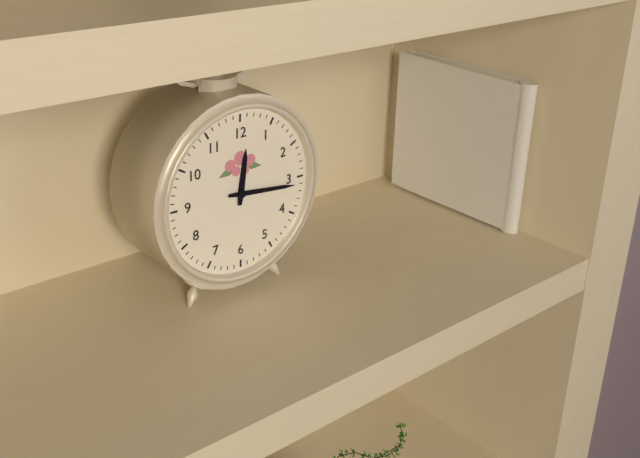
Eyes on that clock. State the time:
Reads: 12:16
